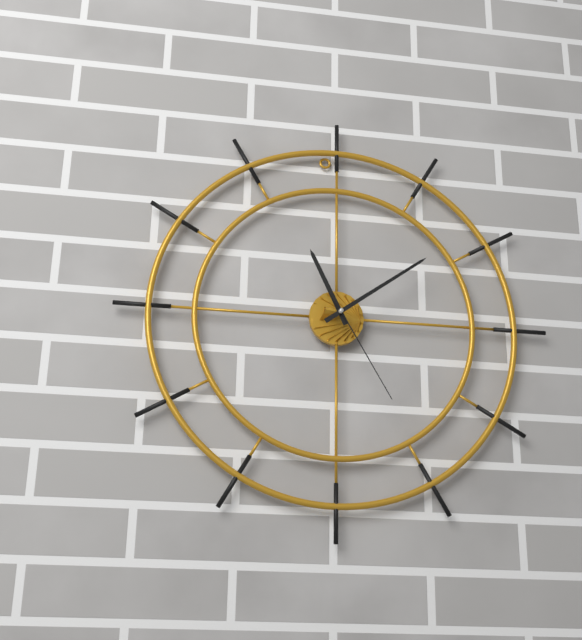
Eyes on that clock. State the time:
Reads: 11:09:25
